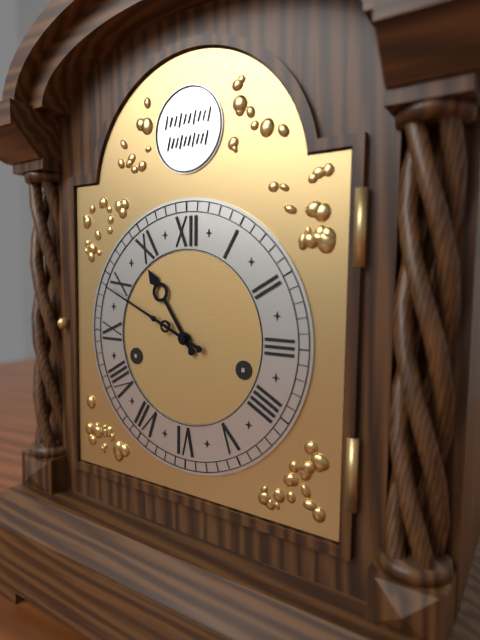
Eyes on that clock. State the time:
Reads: 10:49
